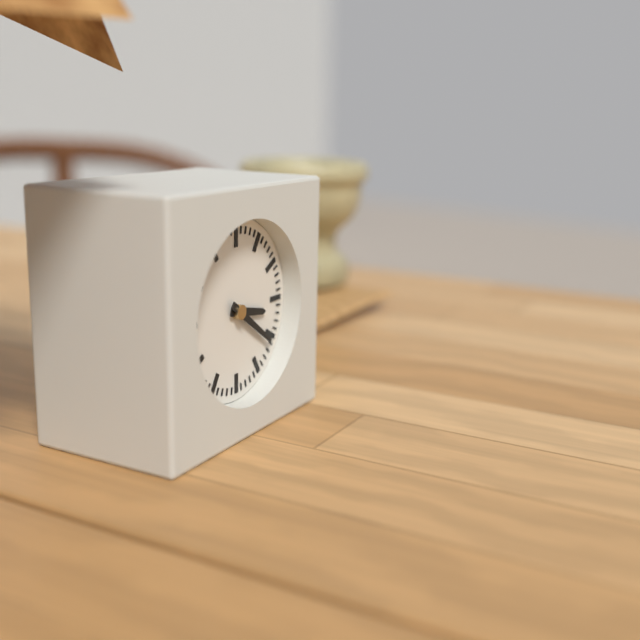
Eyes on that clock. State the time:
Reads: 3:21
